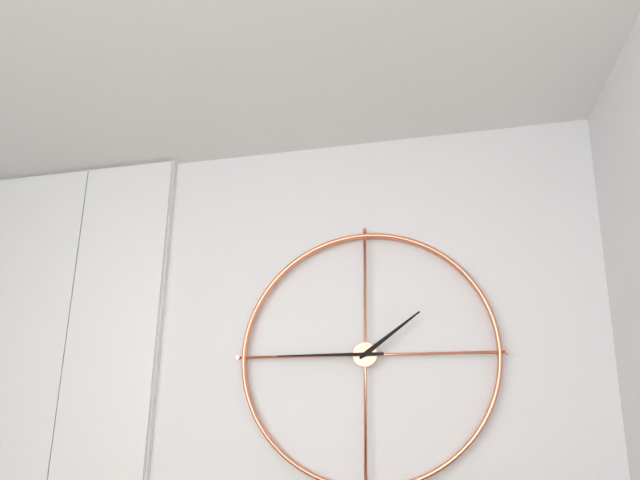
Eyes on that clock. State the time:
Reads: 1:45
